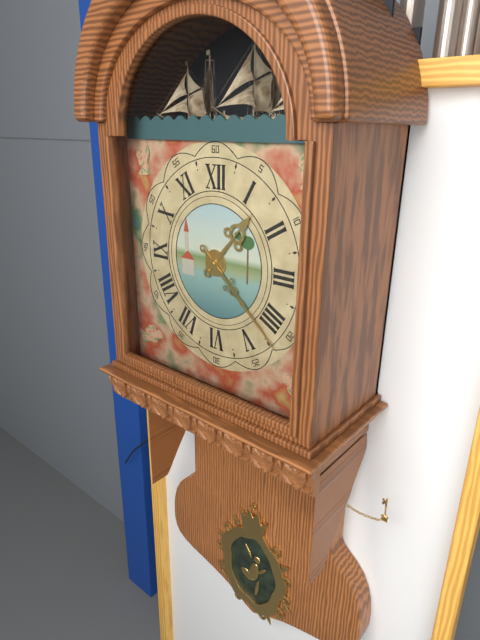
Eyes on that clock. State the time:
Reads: 1:22
